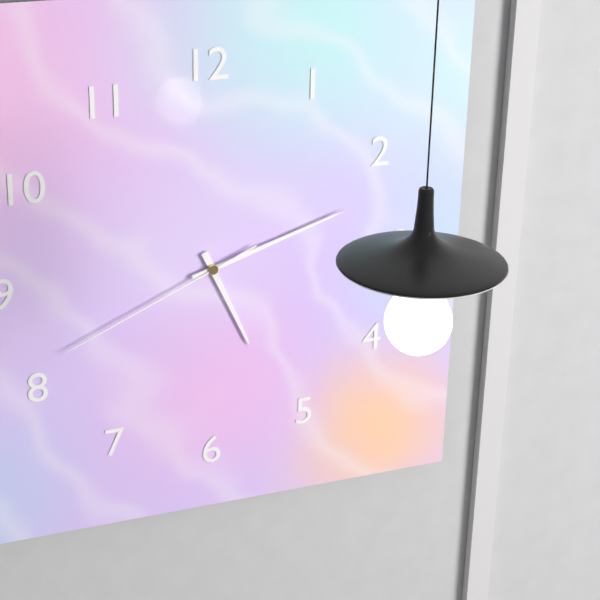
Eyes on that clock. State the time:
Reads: 5:12:41
